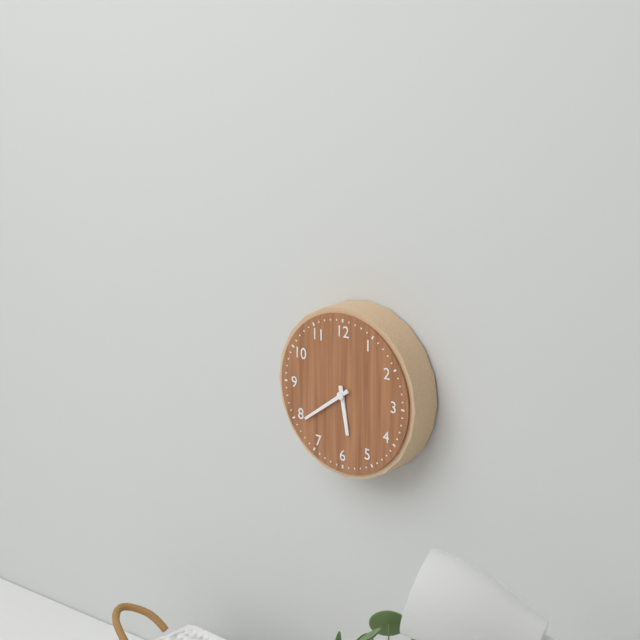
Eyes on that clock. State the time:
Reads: 5:39
